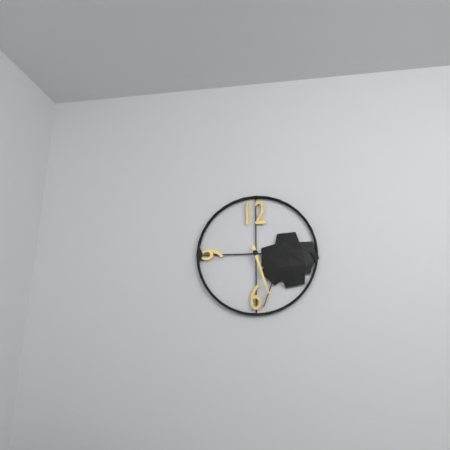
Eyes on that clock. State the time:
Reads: 5:27
